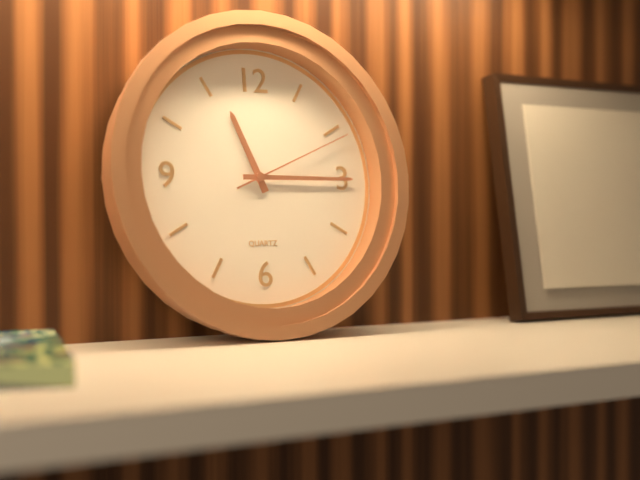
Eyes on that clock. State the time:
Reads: 11:15:11
